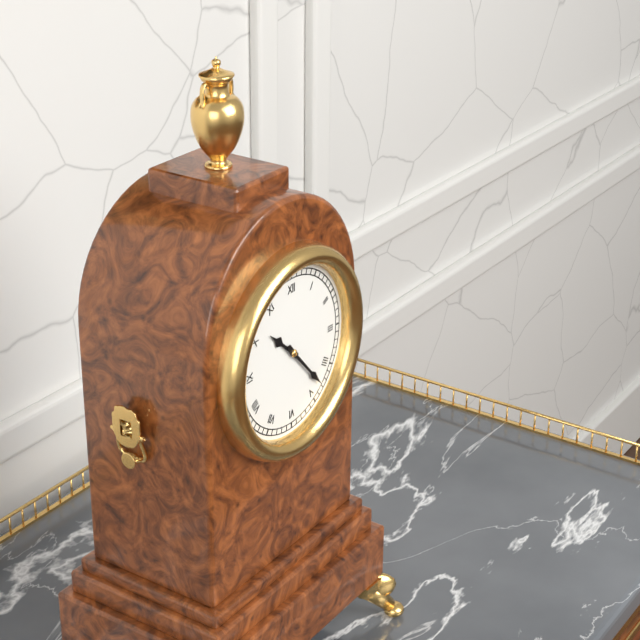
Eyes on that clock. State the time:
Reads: 10:23
